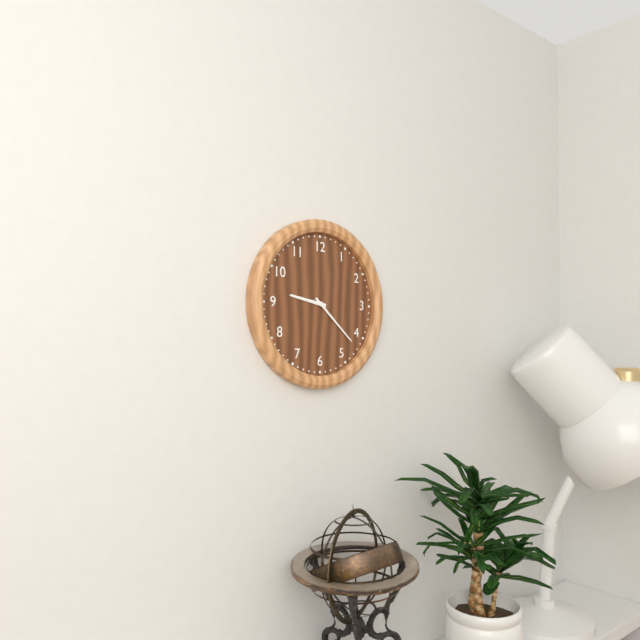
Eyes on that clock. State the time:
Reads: 9:22
